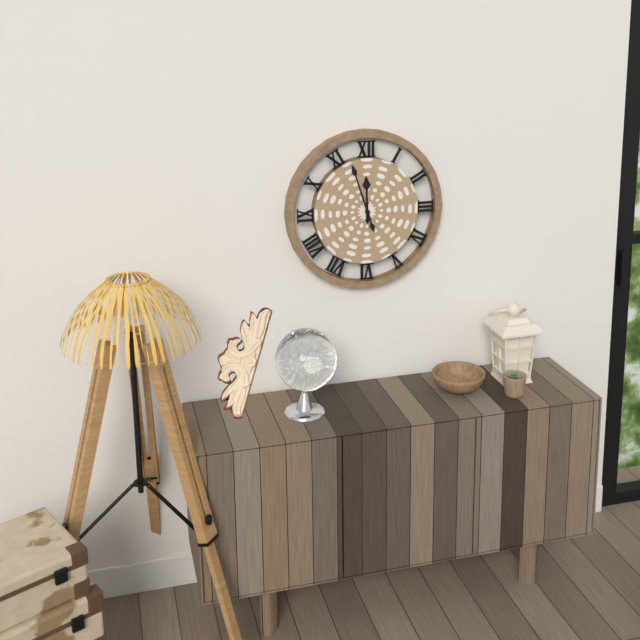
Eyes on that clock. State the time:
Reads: 11:57
